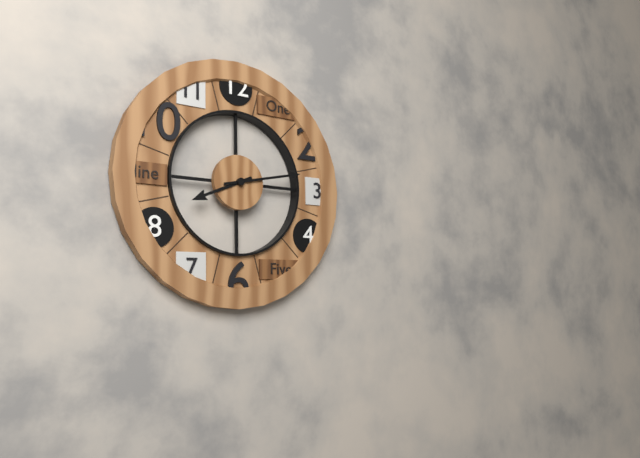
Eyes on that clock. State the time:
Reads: 8:13
